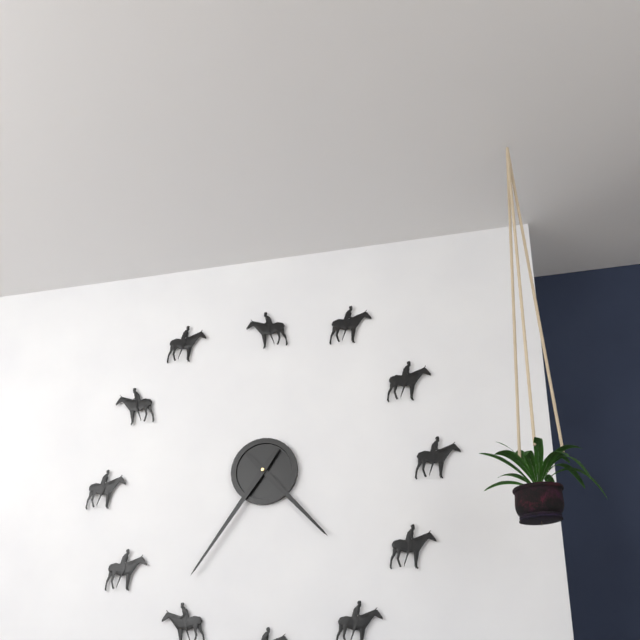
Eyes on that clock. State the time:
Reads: 4:36
